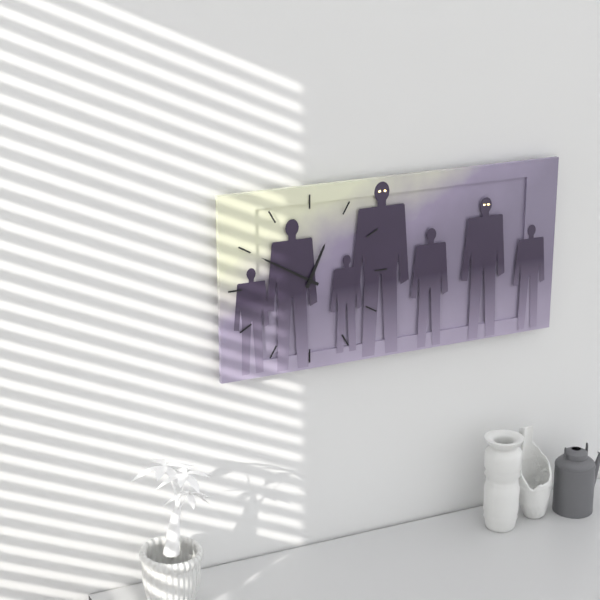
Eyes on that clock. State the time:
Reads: 12:50
